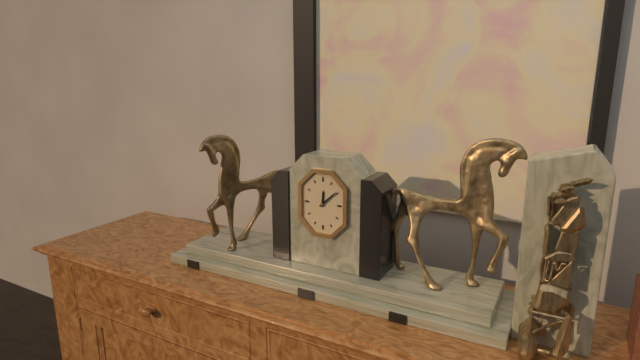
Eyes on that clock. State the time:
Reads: 12:08
